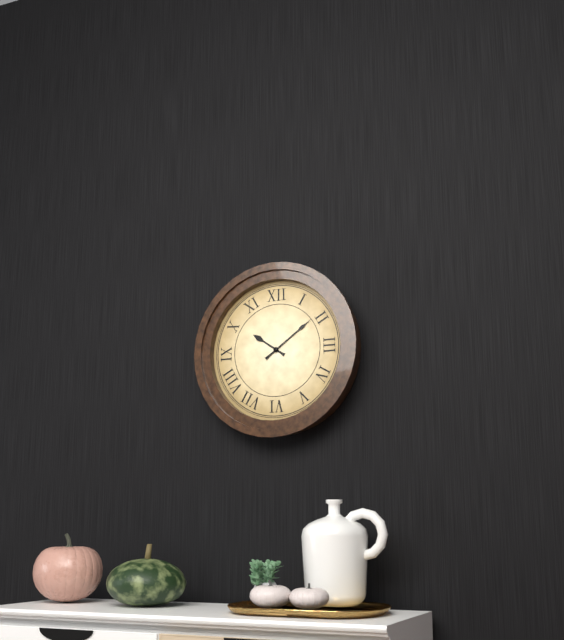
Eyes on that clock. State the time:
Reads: 10:09
